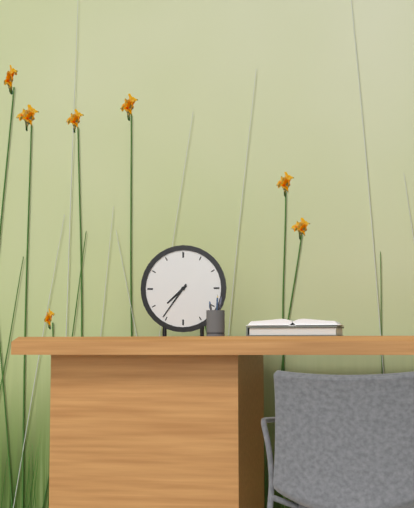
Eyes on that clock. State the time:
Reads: 7:36
